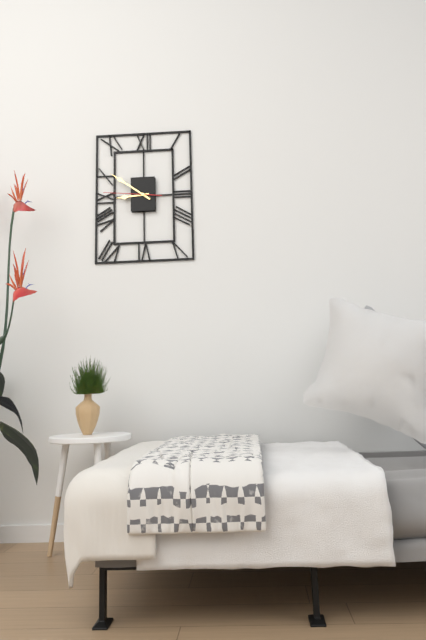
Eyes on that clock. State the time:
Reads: 8:51
